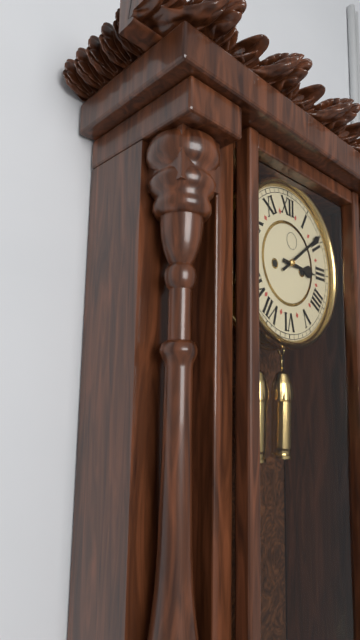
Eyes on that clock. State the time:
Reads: 3:09
